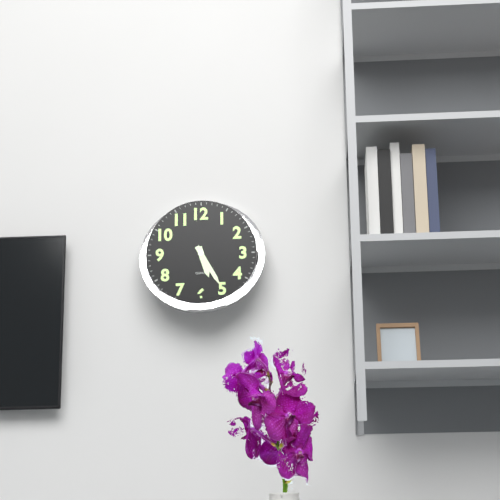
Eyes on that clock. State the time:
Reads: 5:25
